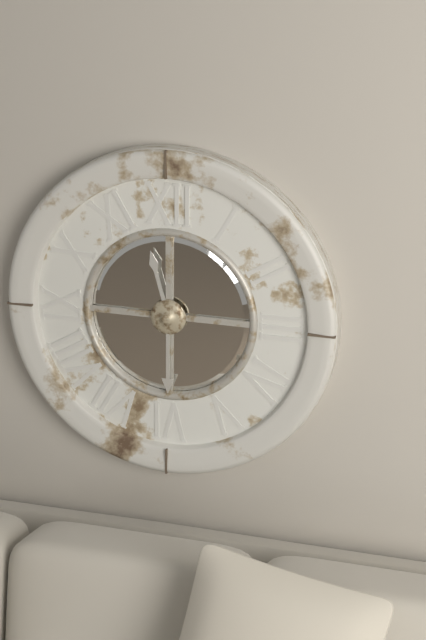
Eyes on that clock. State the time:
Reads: 11:30
